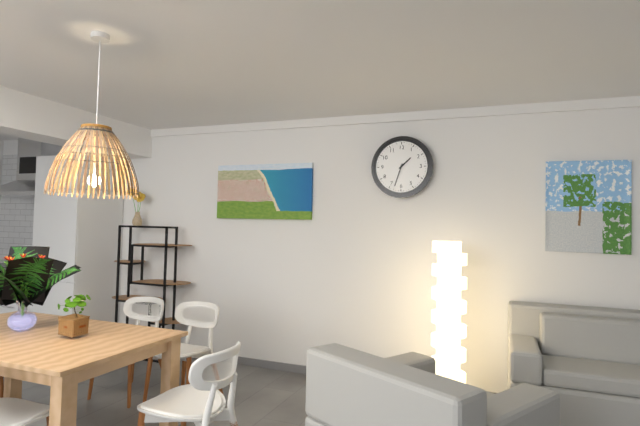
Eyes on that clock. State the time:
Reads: 1:33
